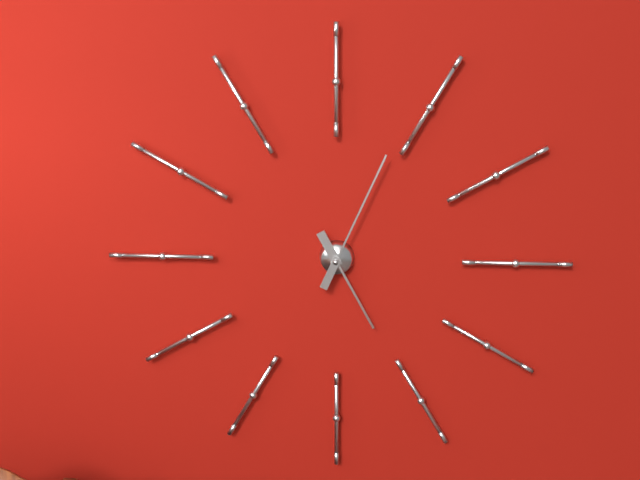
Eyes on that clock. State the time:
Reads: 5:04
